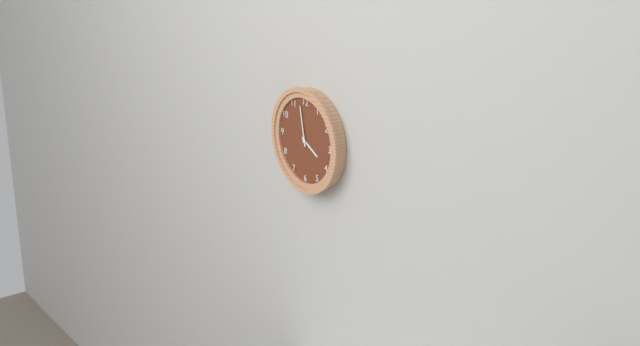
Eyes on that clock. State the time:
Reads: 3:58
